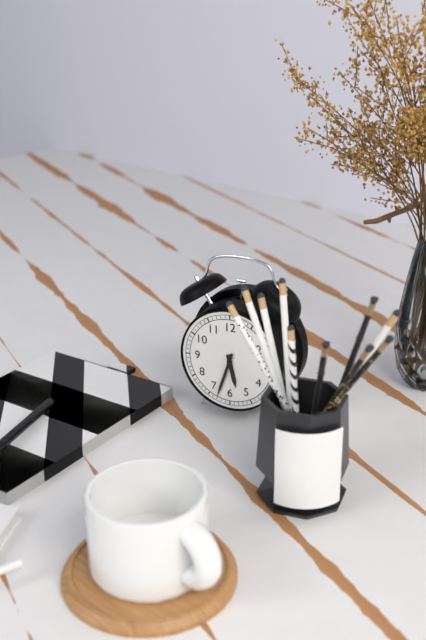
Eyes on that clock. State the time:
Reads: 5:33
